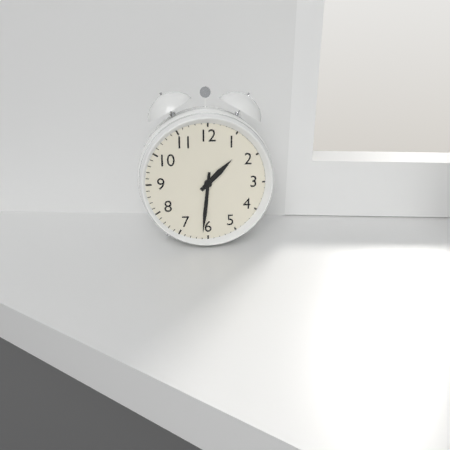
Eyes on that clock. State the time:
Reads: 1:31
